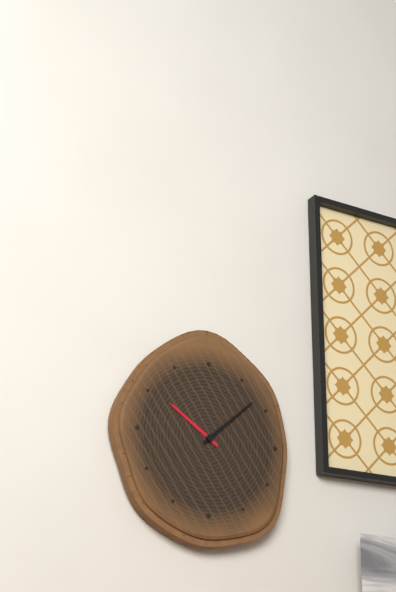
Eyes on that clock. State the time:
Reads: 10:08
